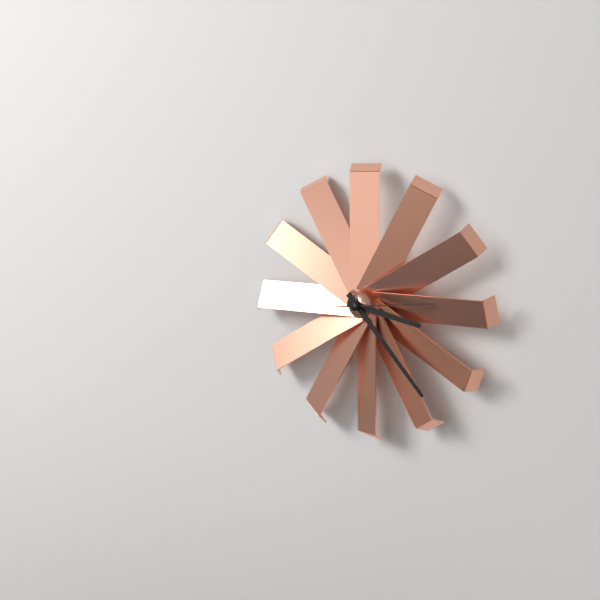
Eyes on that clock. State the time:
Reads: 3:23:14
